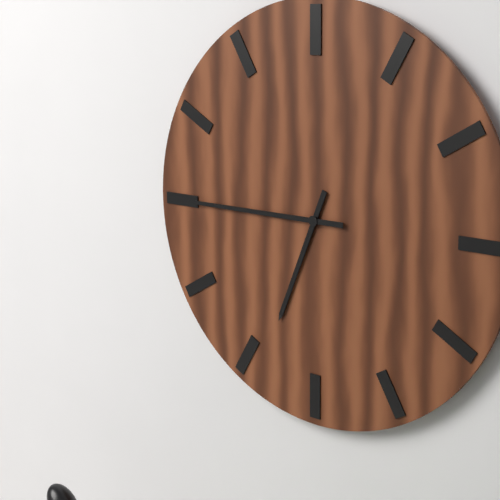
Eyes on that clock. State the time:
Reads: 6:45
